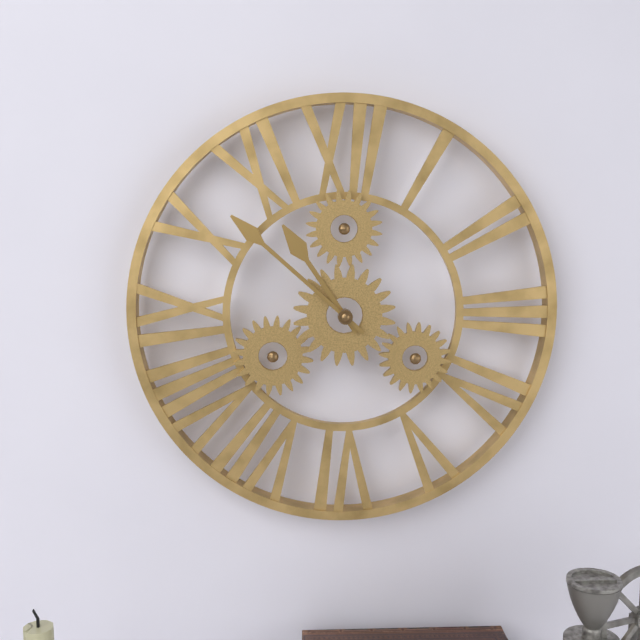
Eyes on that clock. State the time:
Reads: 10:52
